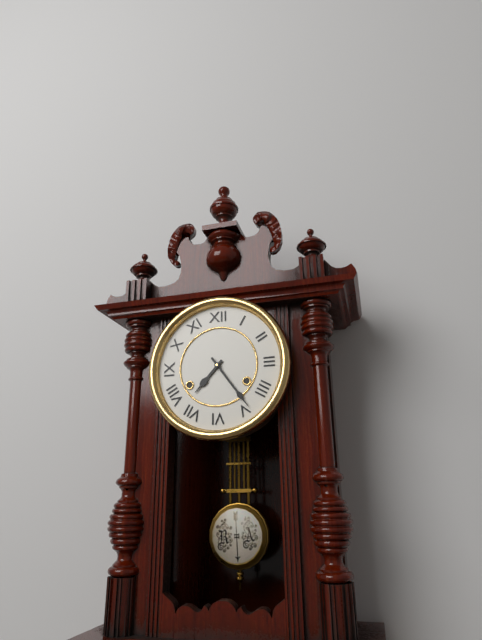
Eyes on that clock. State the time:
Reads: 7:24
